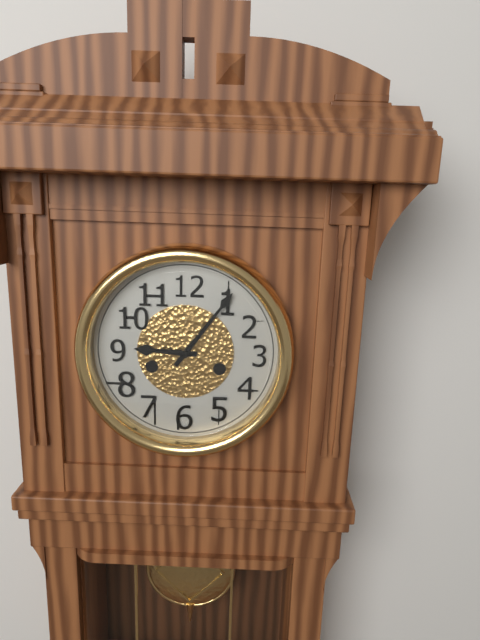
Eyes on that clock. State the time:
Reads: 9:06
